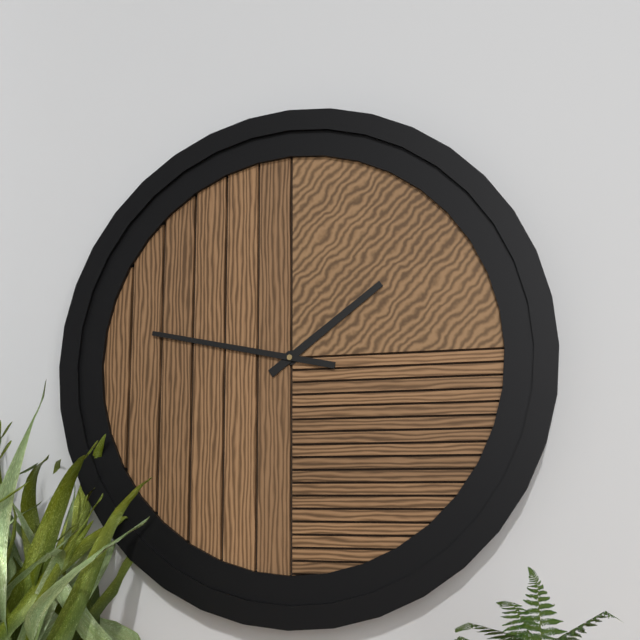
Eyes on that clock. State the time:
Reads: 1:47
